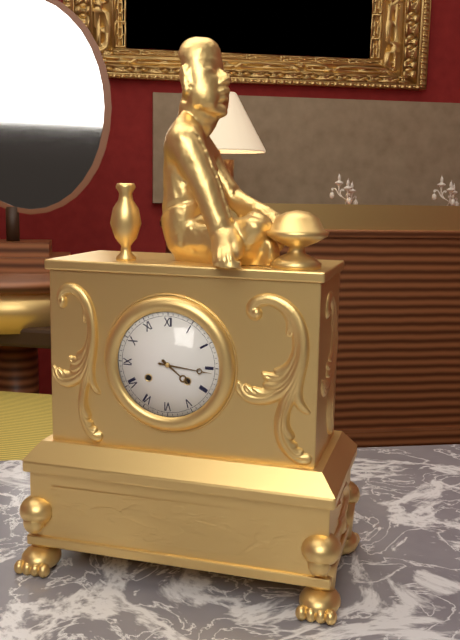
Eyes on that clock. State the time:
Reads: 4:16
